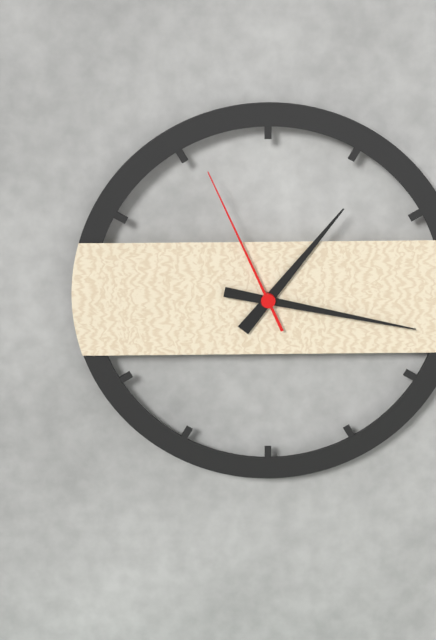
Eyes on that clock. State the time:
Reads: 1:17:56
